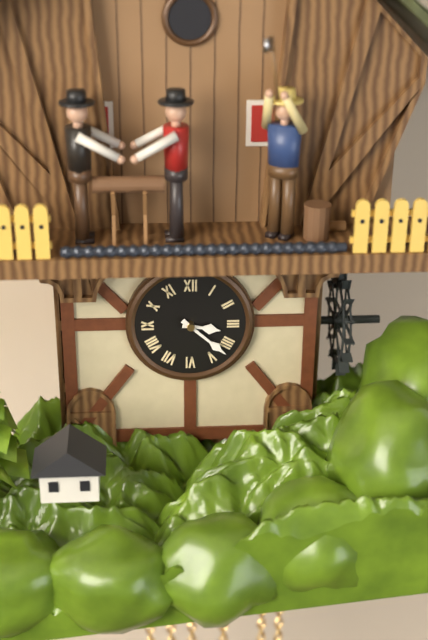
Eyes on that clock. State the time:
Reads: 3:22
